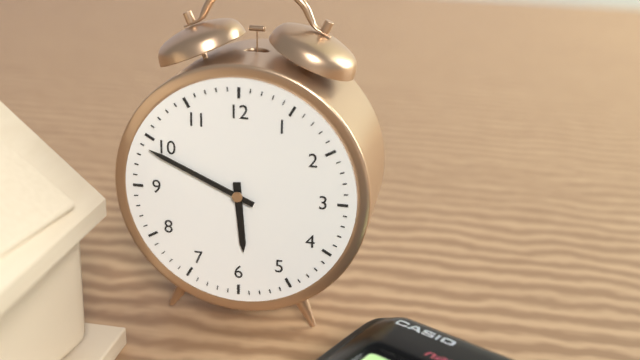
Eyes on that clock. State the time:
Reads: 5:49
